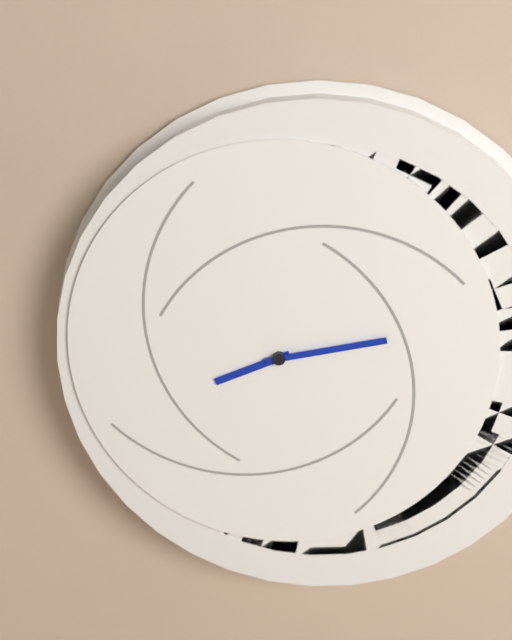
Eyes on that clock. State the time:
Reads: 8:13
